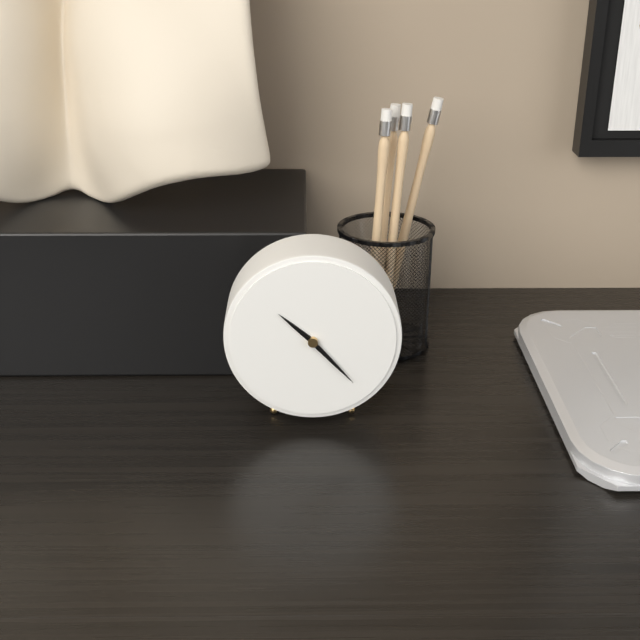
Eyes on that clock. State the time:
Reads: 10:23
